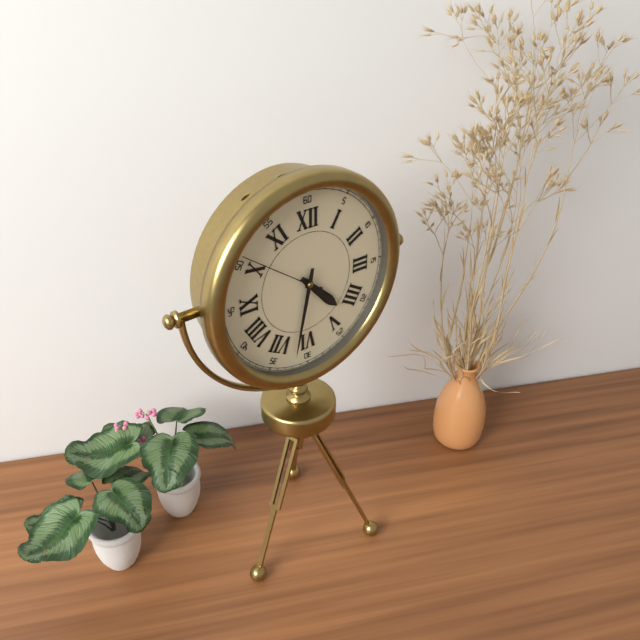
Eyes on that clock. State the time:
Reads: 4:32:51
